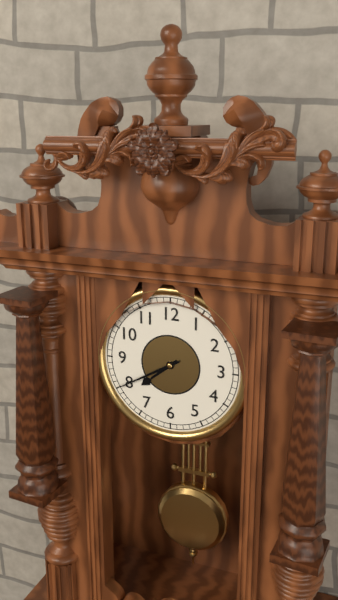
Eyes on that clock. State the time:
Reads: 7:40
